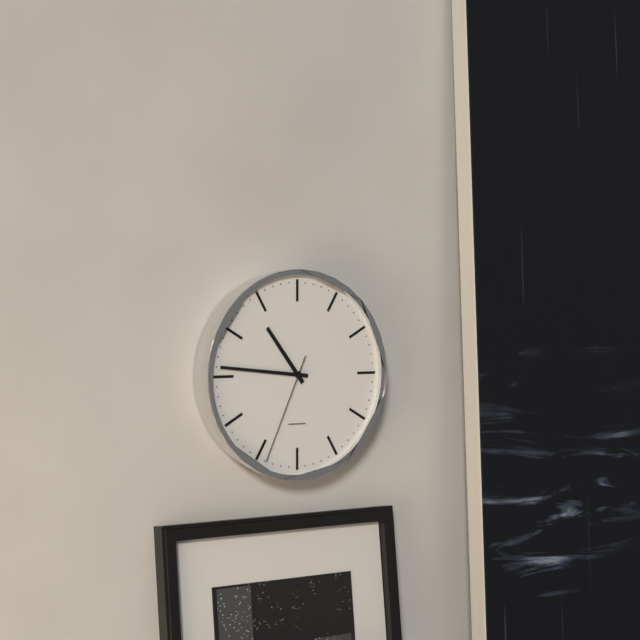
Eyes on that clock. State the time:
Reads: 10:46:34
